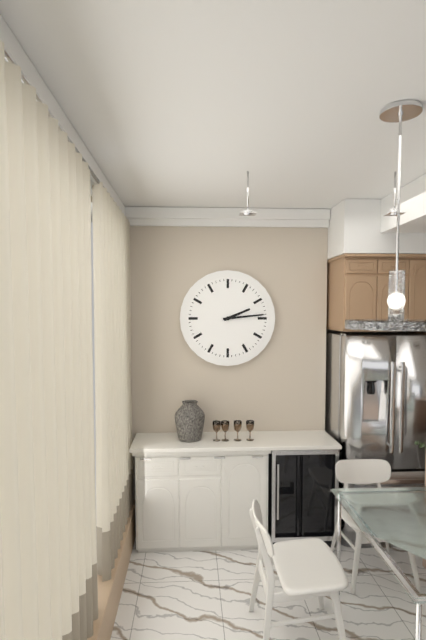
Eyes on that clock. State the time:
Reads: 2:14
